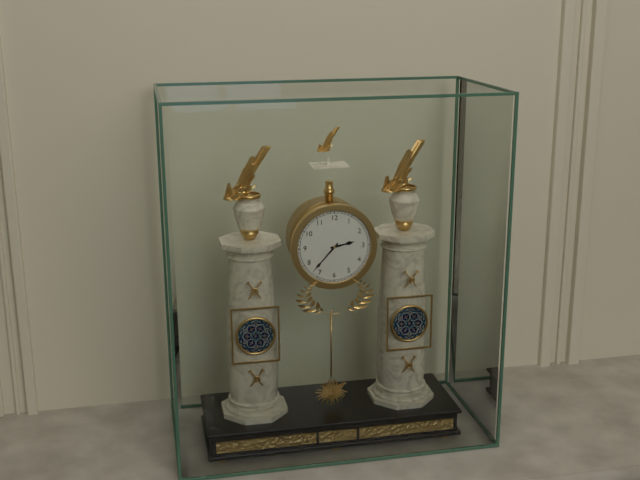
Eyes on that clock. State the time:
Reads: 2:37
